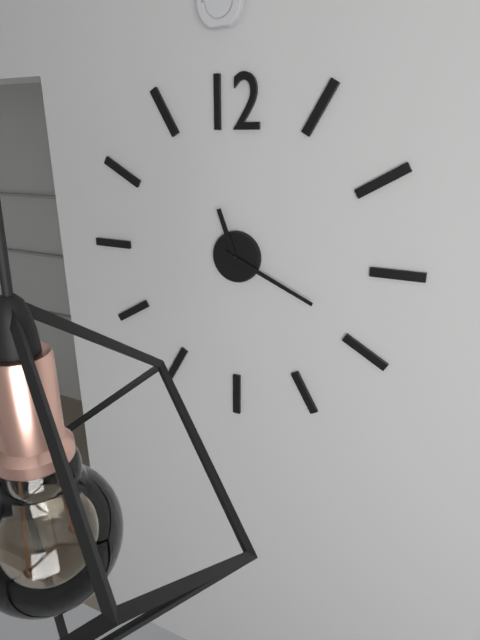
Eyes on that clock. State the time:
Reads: 11:19
